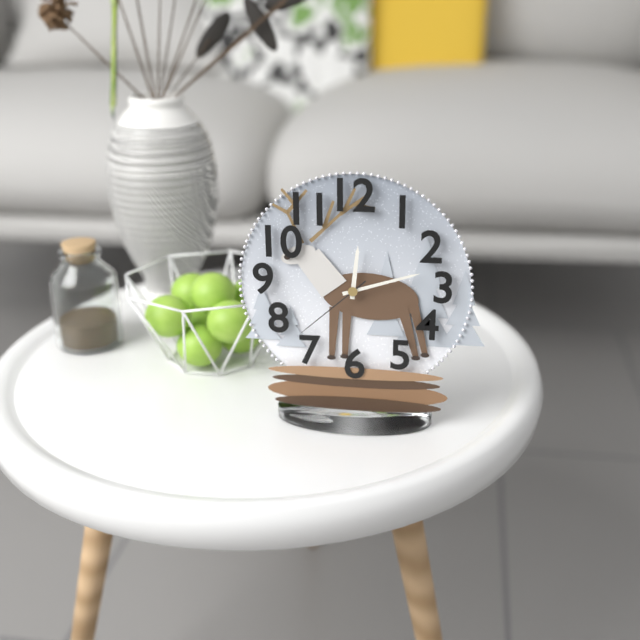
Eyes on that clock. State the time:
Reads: 12:12:38
